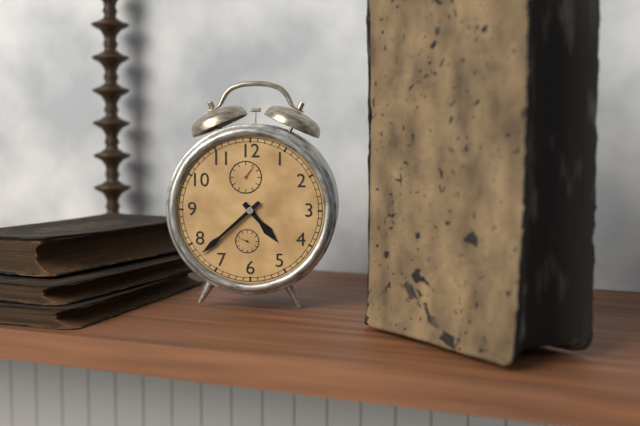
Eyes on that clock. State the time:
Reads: 4:38
